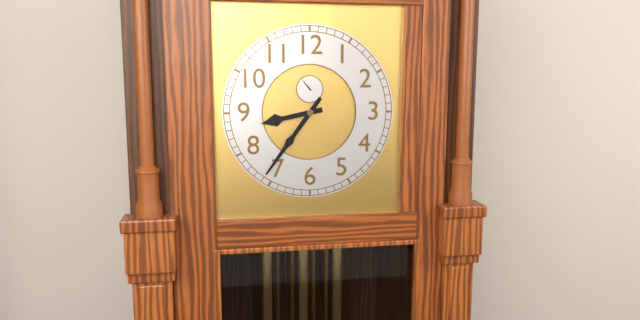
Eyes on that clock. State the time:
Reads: 8:36
